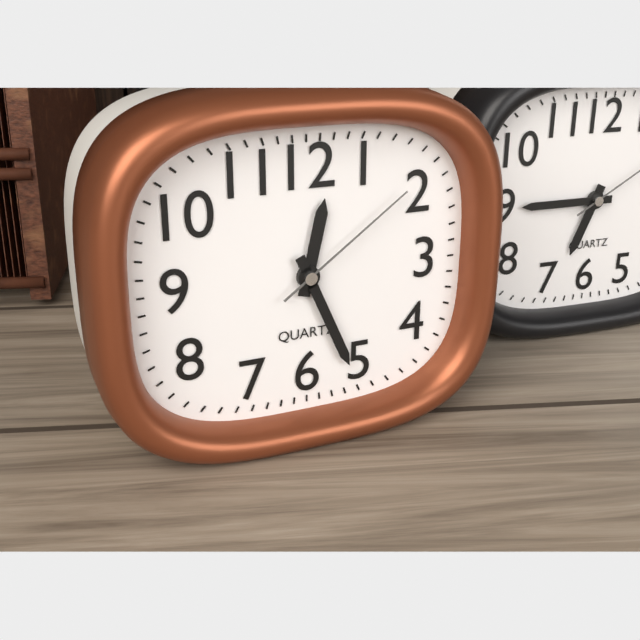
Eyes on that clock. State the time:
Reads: 12:26:09
